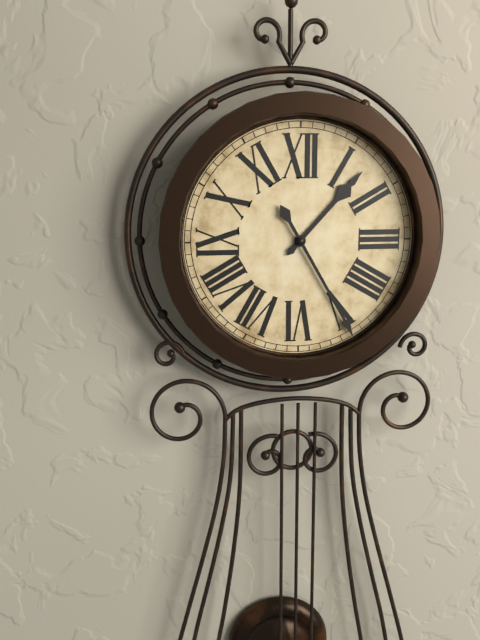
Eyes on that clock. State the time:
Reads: 1:25
